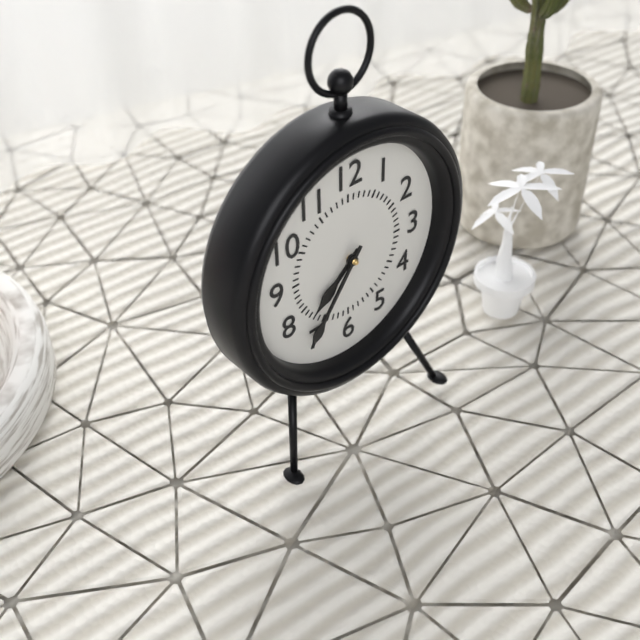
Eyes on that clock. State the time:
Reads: 7:36
